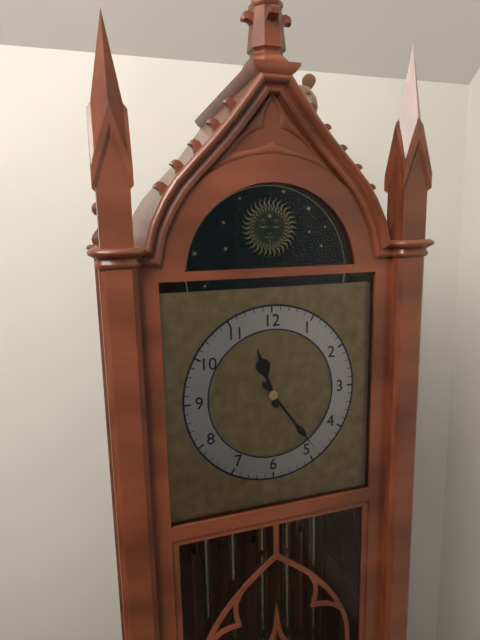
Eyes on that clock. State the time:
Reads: 11:24
